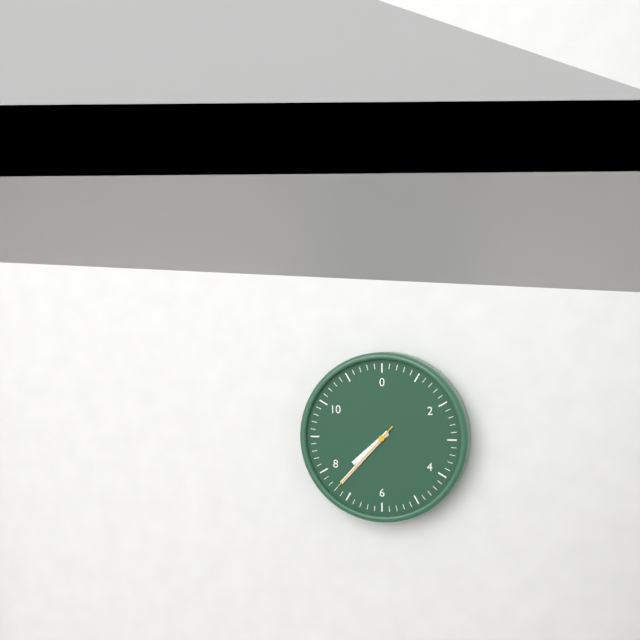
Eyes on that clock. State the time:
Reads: 7:37:37
